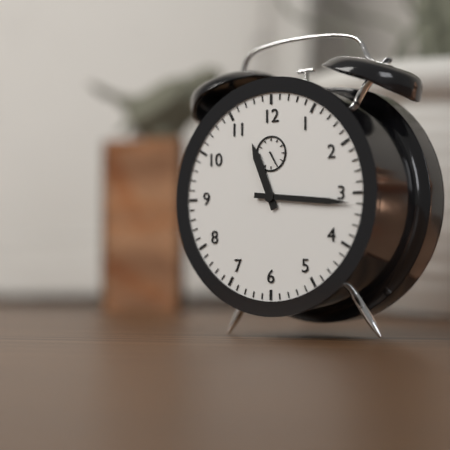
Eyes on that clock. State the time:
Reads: 11:16
